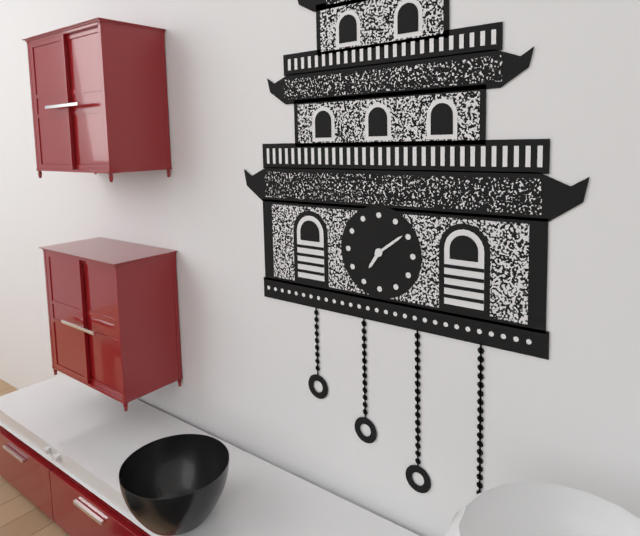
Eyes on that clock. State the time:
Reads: 7:09
